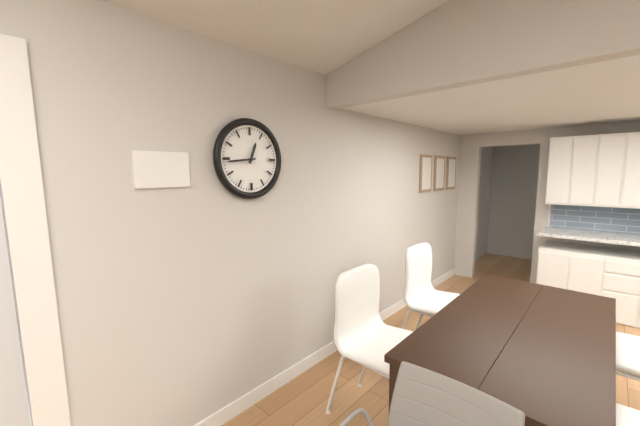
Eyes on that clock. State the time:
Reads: 12:44
